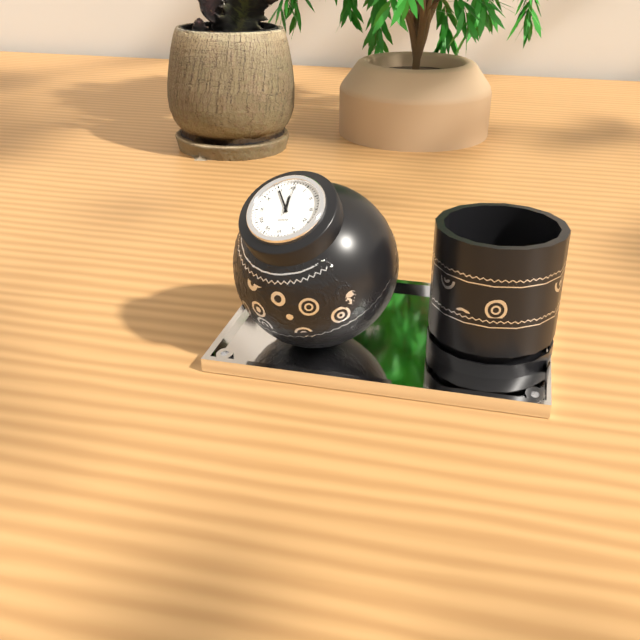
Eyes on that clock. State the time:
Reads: 11:55:01
